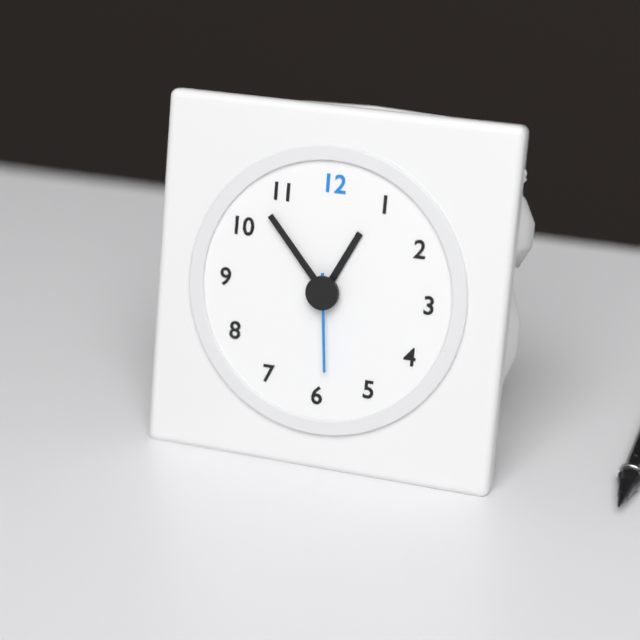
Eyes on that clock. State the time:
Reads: 12:53:29
